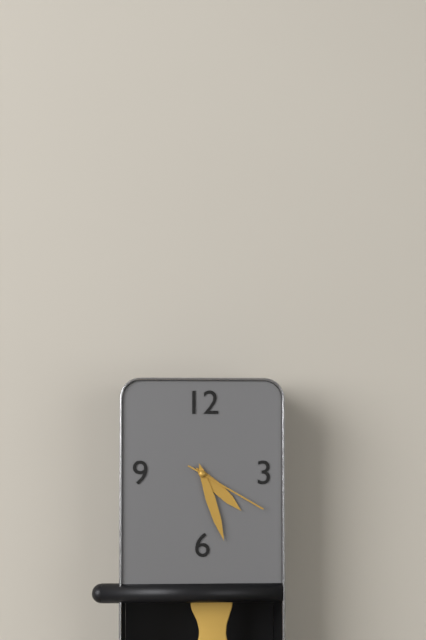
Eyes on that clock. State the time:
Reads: 4:27:20
